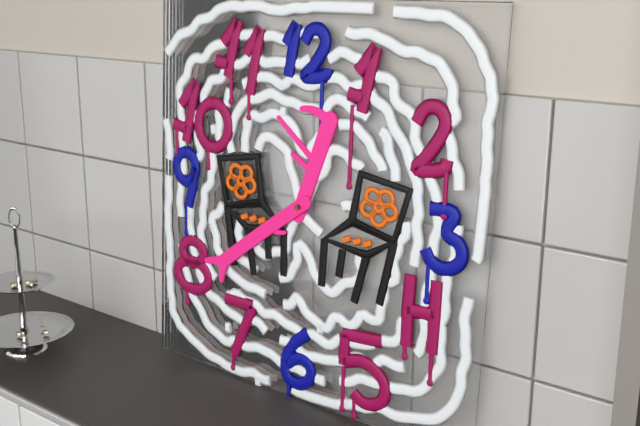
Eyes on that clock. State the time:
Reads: 12:39
